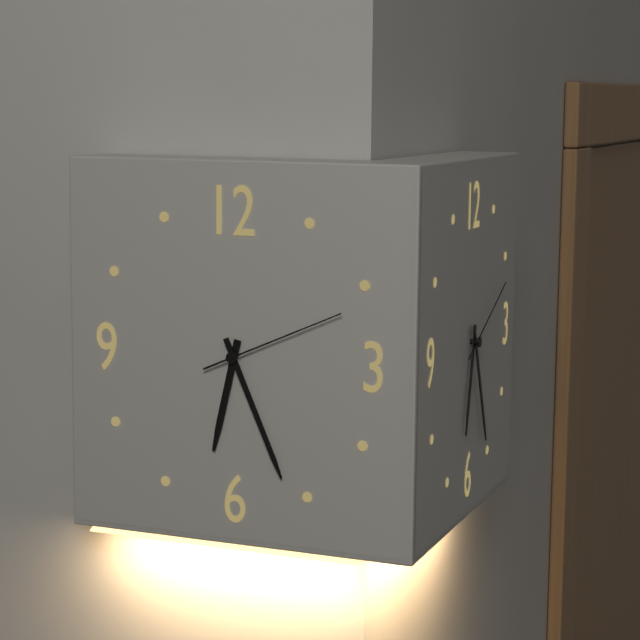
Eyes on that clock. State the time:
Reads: 6:26:11
